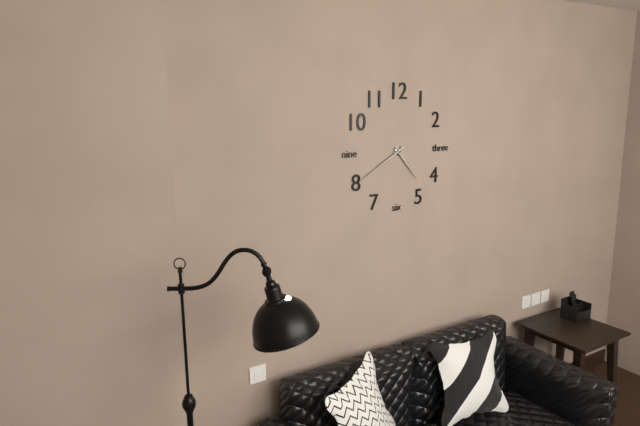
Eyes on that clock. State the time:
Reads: 4:40
